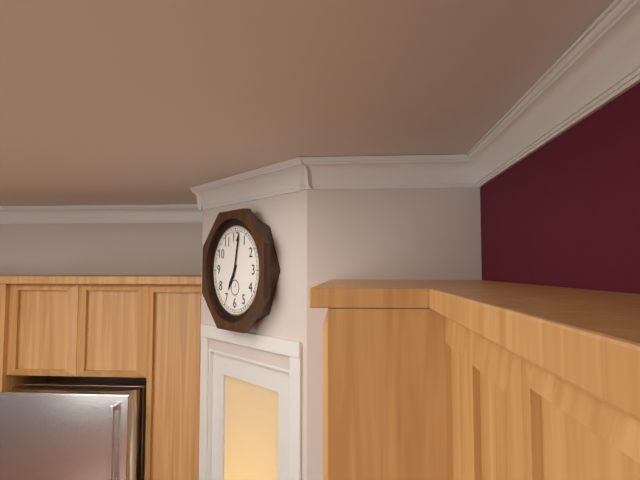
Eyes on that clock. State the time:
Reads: 7:02
